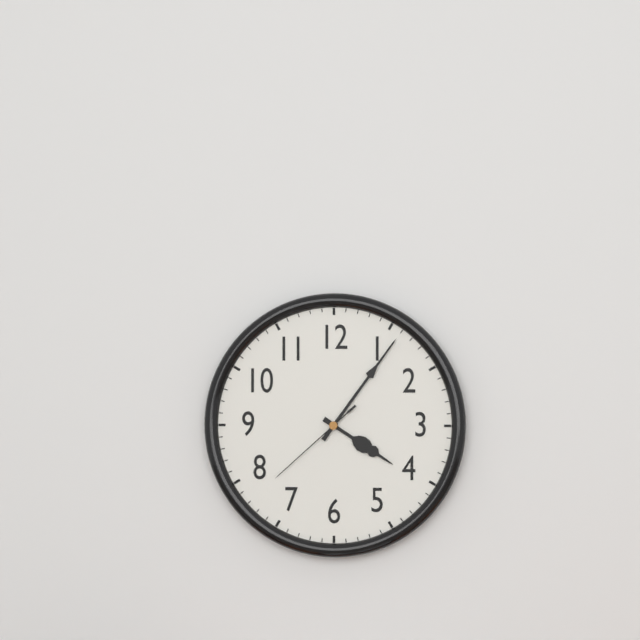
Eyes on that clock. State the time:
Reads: 4:06:38
